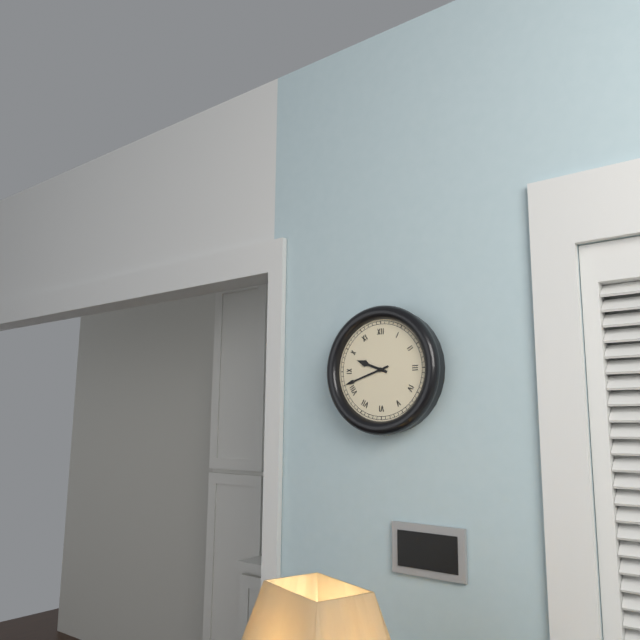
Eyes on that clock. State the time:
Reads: 9:42
